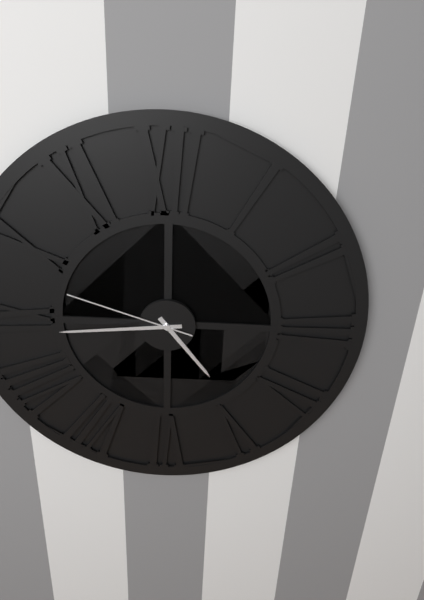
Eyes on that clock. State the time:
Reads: 4:44:48
